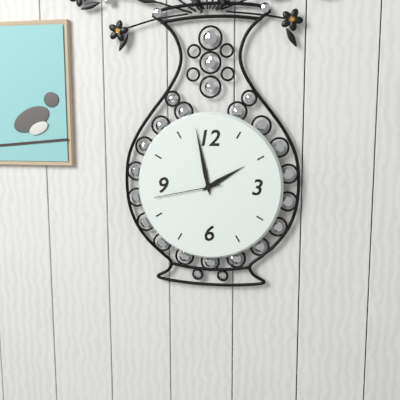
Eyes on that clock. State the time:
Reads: 1:58:43
